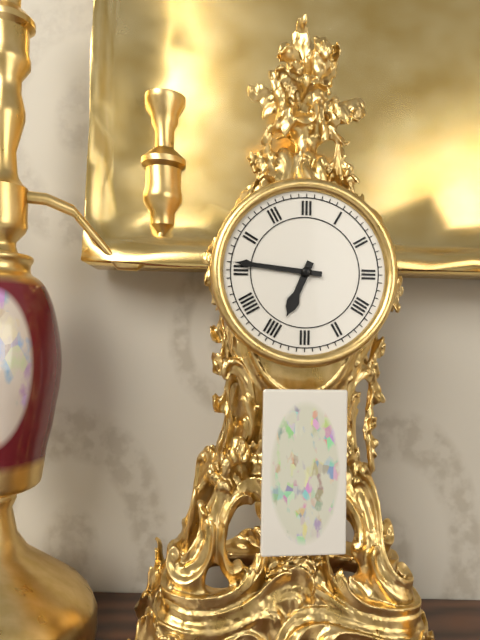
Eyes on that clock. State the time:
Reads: 6:46
